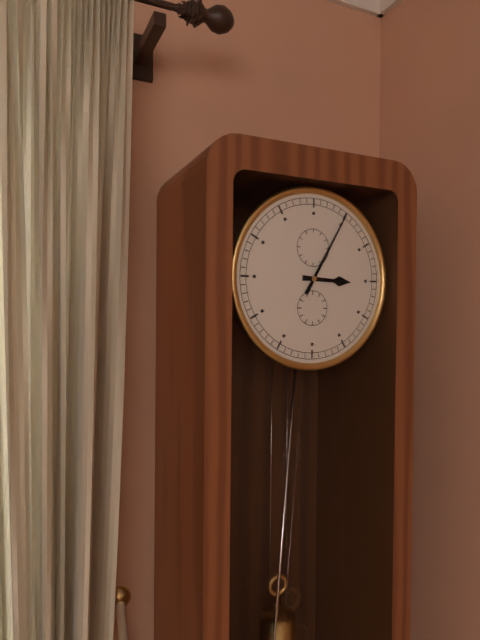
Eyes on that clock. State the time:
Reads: 3:05
